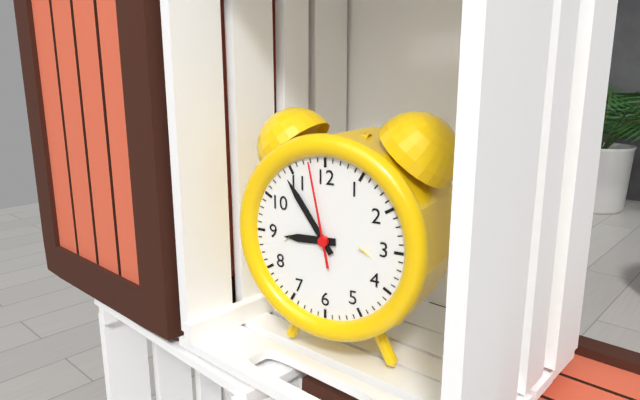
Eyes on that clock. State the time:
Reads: 8:54:58
